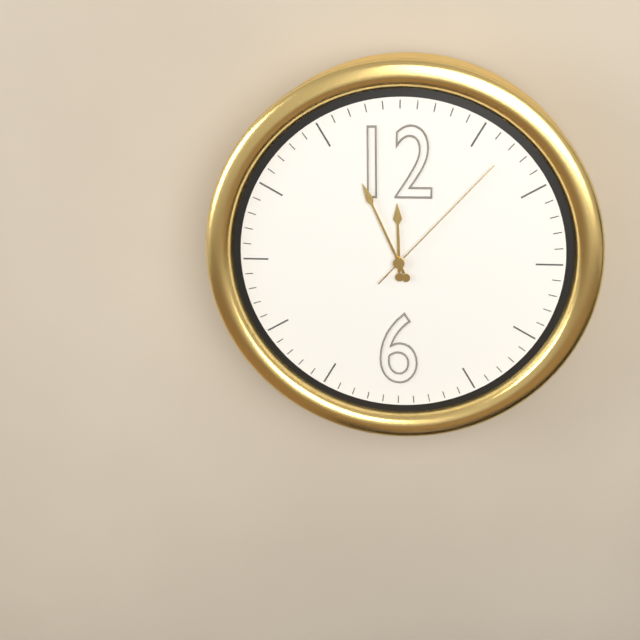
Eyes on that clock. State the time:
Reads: 11:56:07
